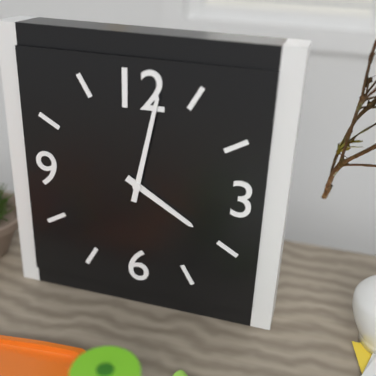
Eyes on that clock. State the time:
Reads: 4:02
